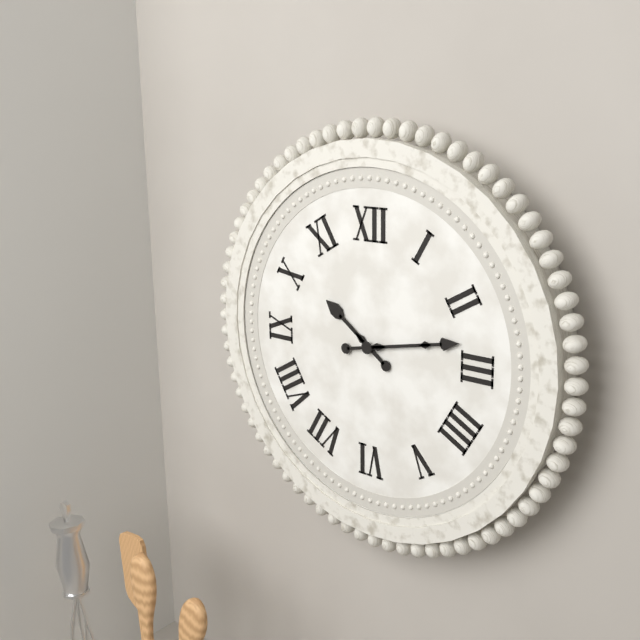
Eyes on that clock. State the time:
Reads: 10:13
